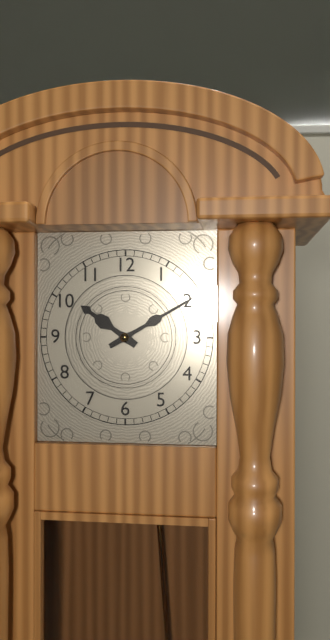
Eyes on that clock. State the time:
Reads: 10:10
